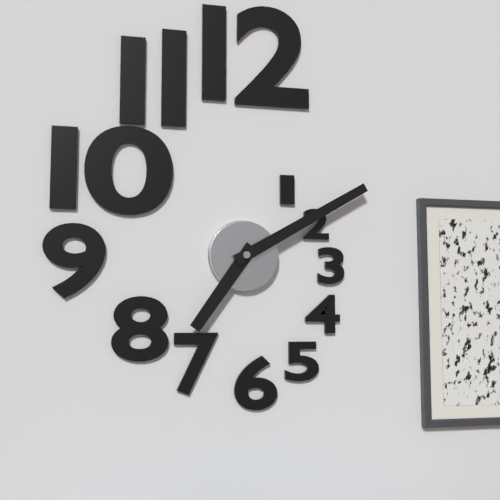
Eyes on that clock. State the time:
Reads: 7:10
